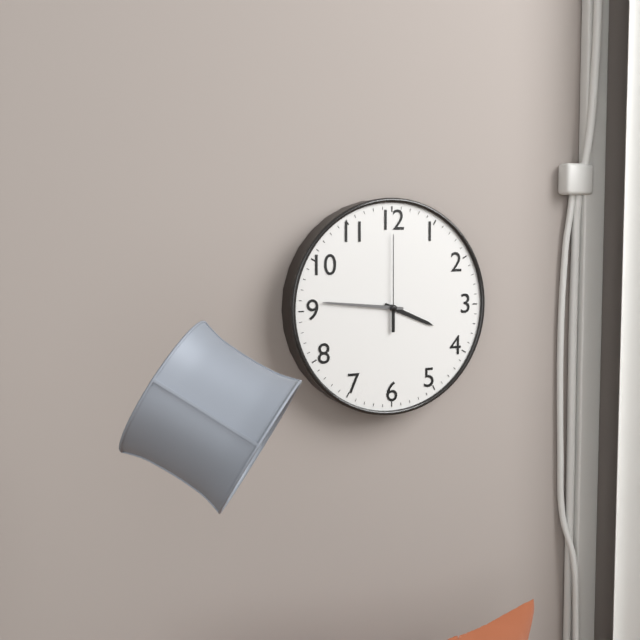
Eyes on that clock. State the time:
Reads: 3:46:00
